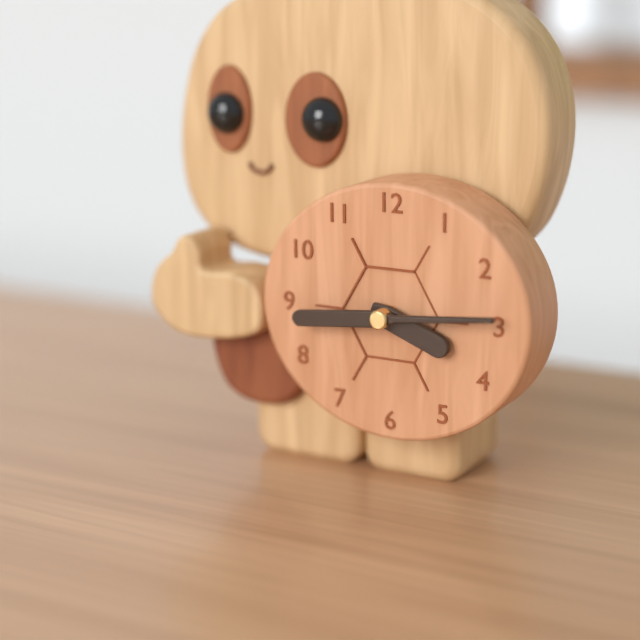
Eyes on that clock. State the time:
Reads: 3:44
